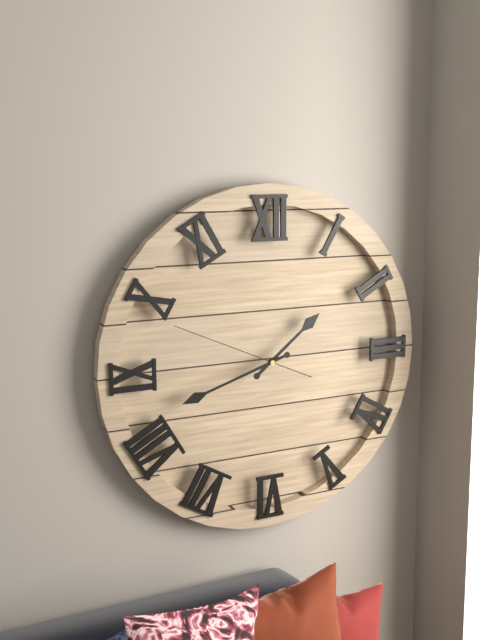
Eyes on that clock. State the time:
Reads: 1:42:49
